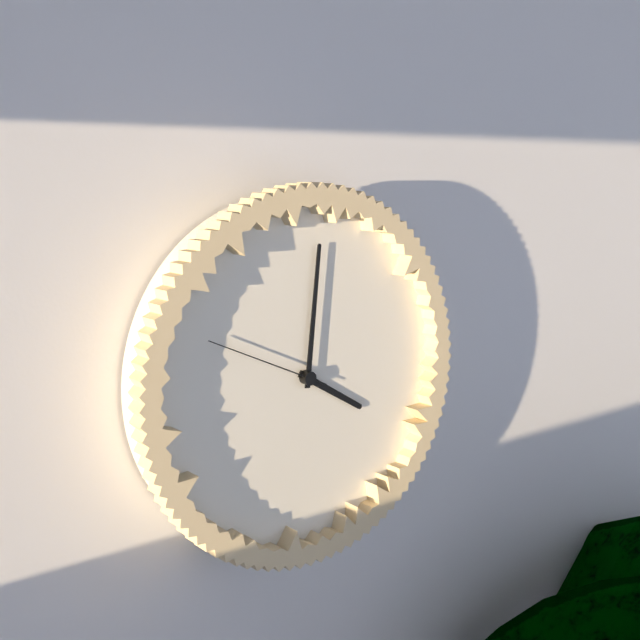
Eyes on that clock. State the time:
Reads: 4:01:49
